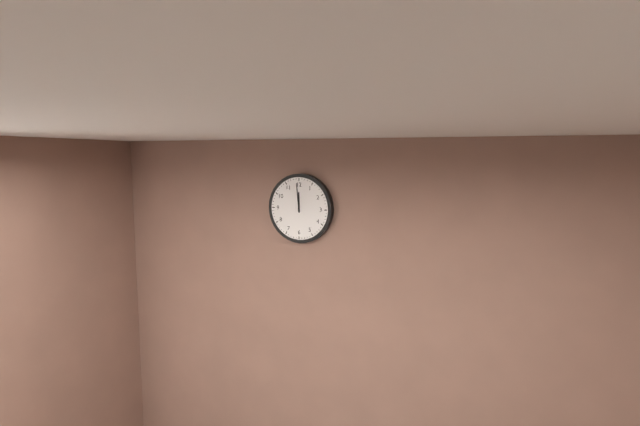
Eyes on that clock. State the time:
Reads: 11:59
